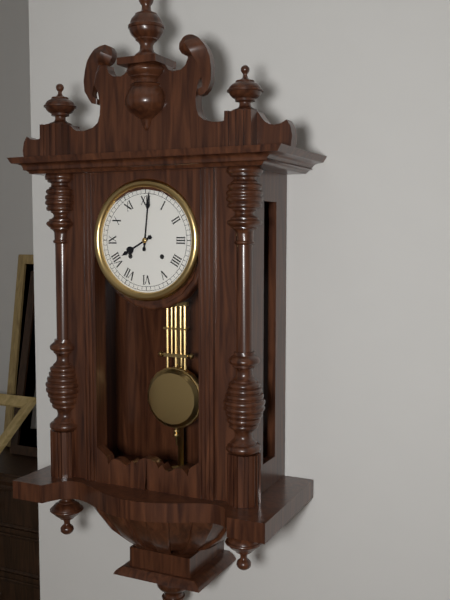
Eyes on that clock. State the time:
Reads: 8:01
